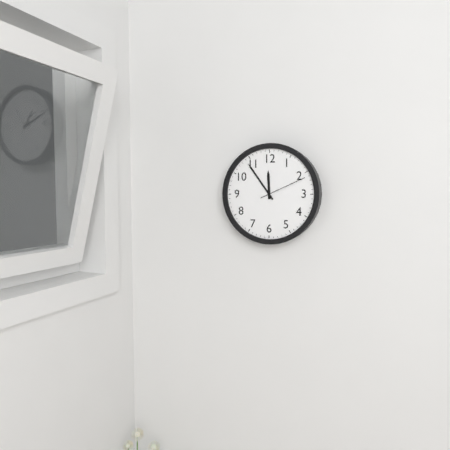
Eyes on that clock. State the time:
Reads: 11:54:11
